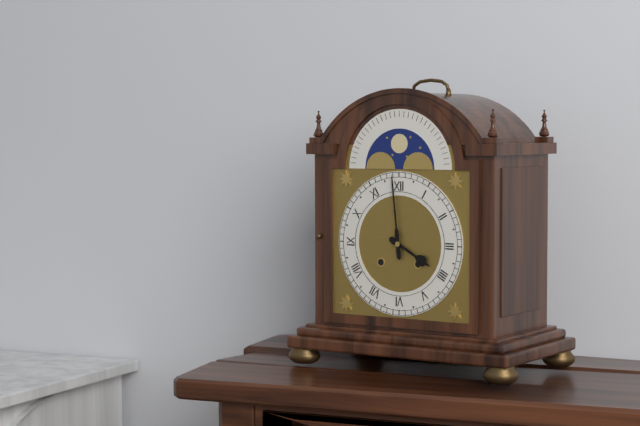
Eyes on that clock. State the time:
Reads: 3:59
